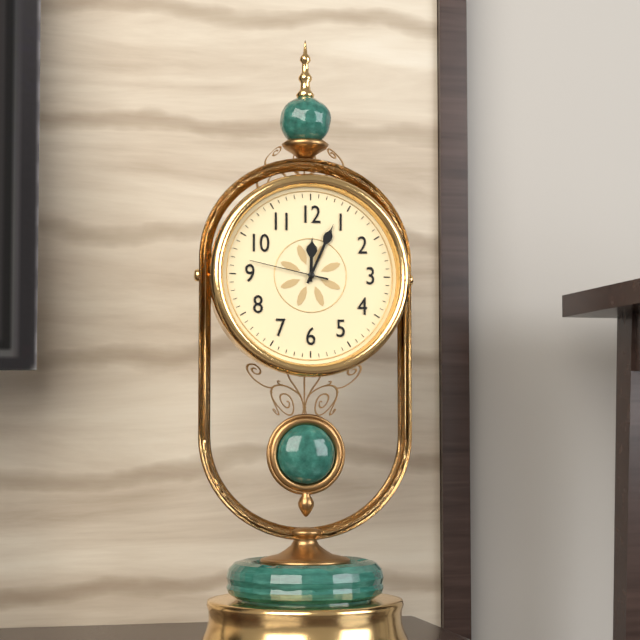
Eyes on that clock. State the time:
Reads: 12:04:47
